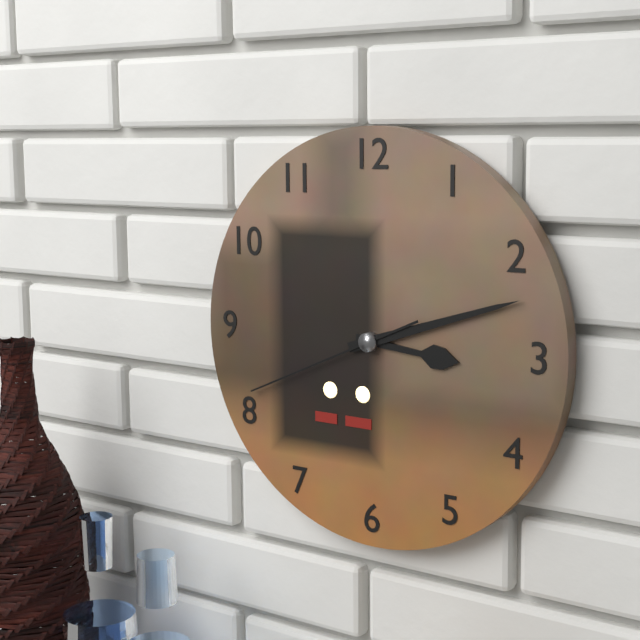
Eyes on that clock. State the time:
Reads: 3:12:41
